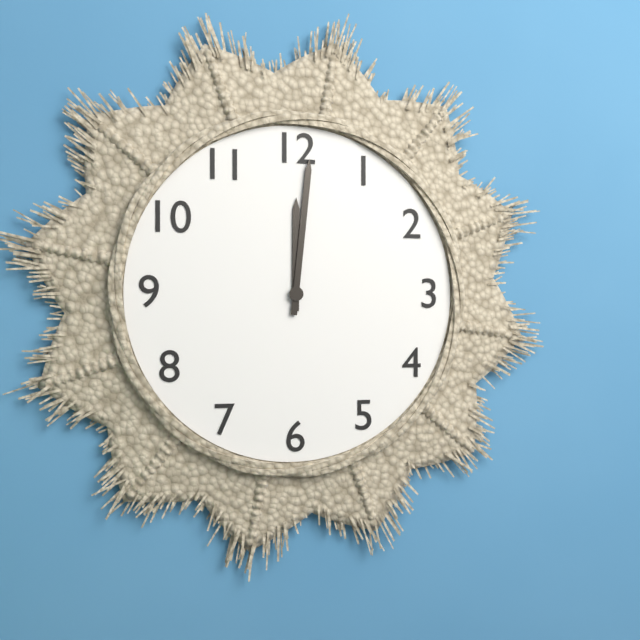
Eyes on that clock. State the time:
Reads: 12:01
